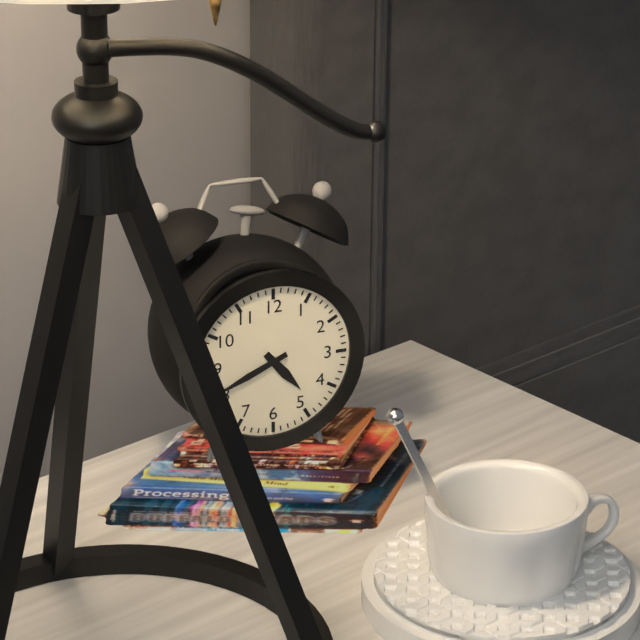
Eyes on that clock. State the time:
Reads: 4:41
